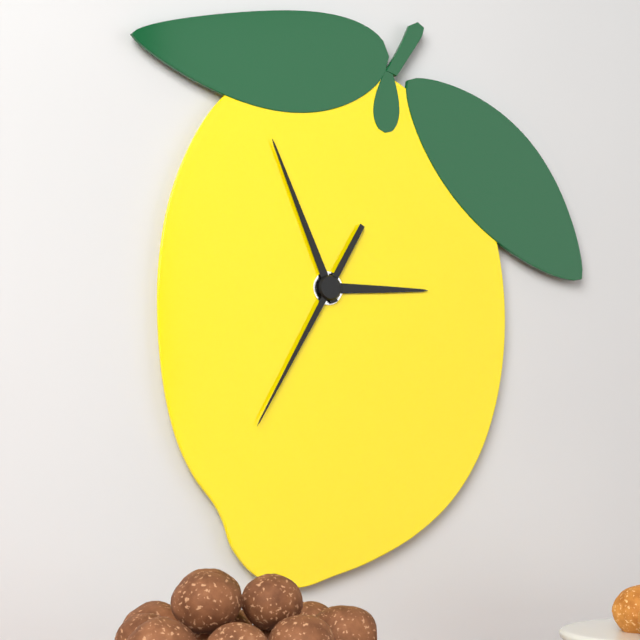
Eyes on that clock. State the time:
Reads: 2:56:35
